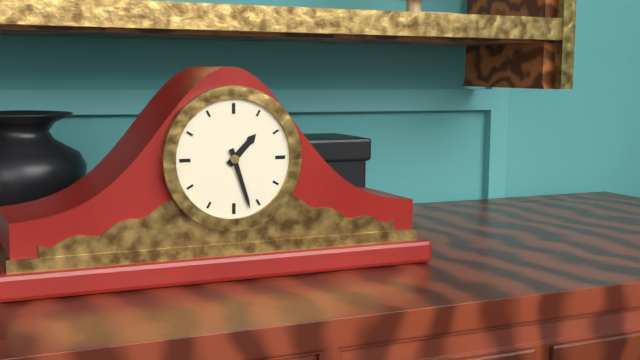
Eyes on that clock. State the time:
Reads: 1:27
